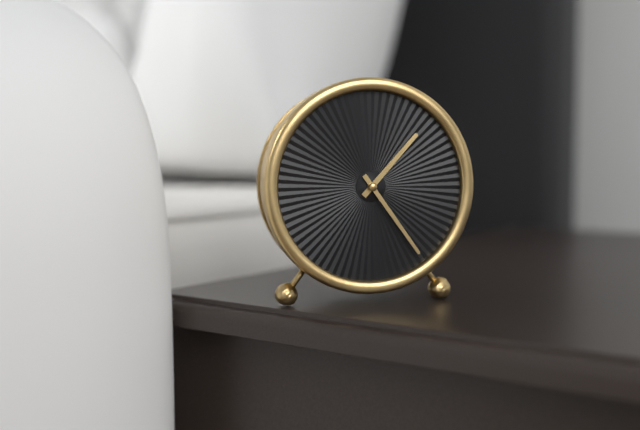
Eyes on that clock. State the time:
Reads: 1:24
